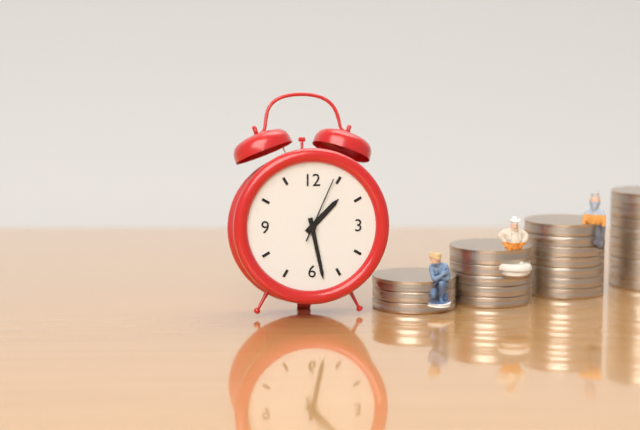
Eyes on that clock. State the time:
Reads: 1:28:04
